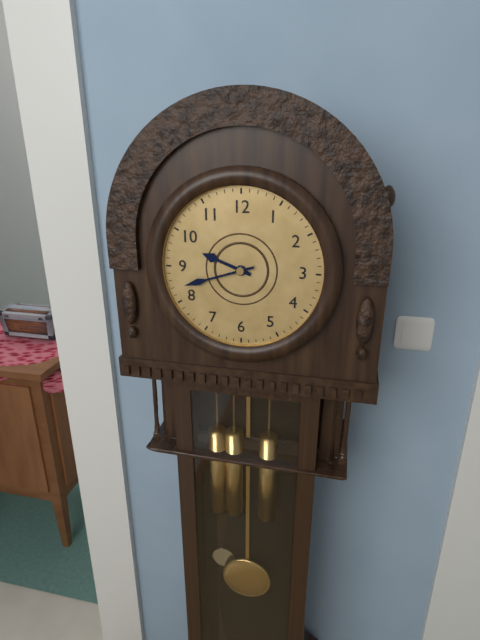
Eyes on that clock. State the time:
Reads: 9:42
